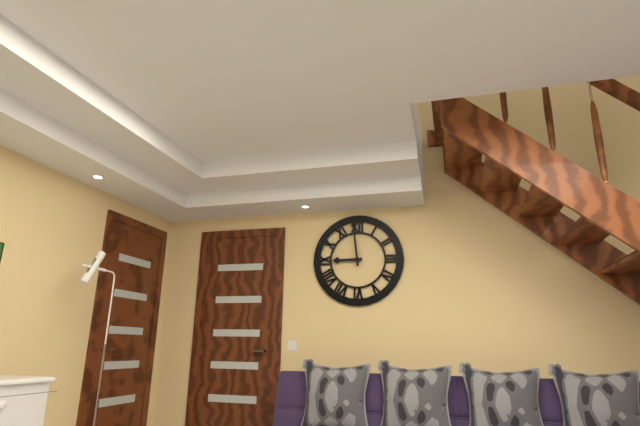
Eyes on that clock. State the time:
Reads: 8:59
